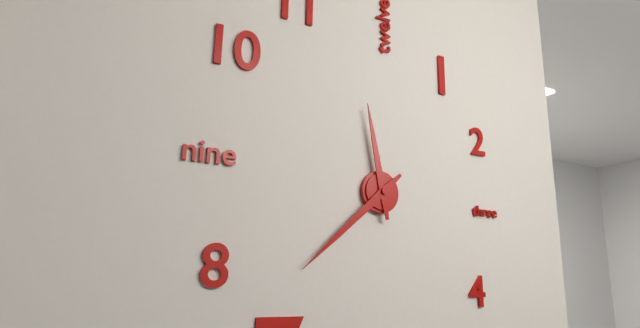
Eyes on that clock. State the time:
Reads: 11:38
